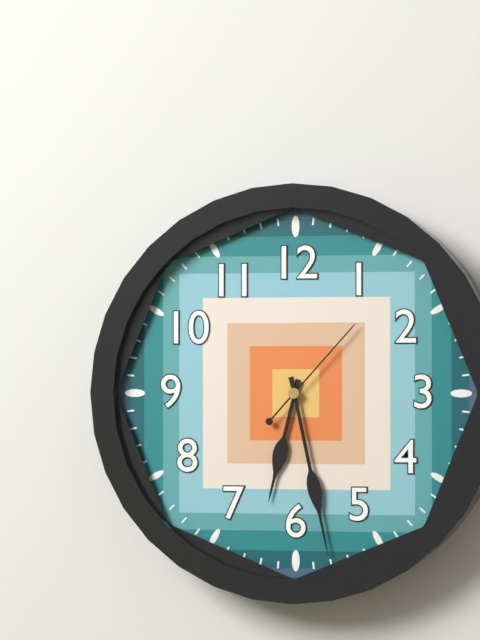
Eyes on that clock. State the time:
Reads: 6:28:07
